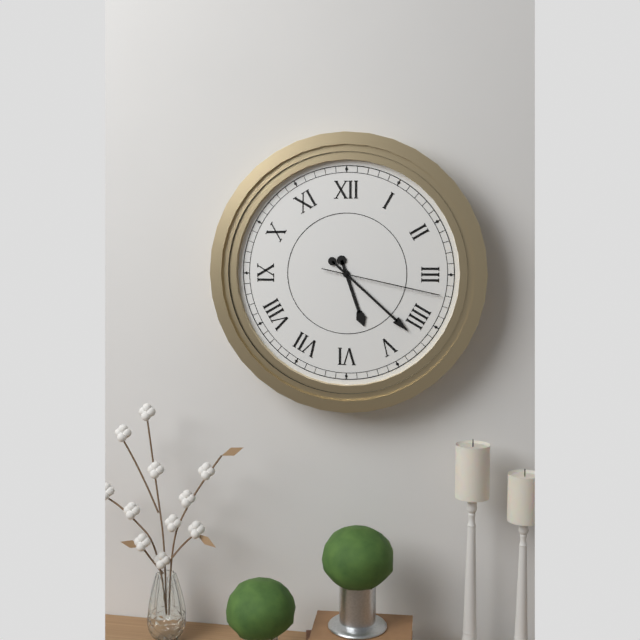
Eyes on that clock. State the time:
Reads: 5:22:17
